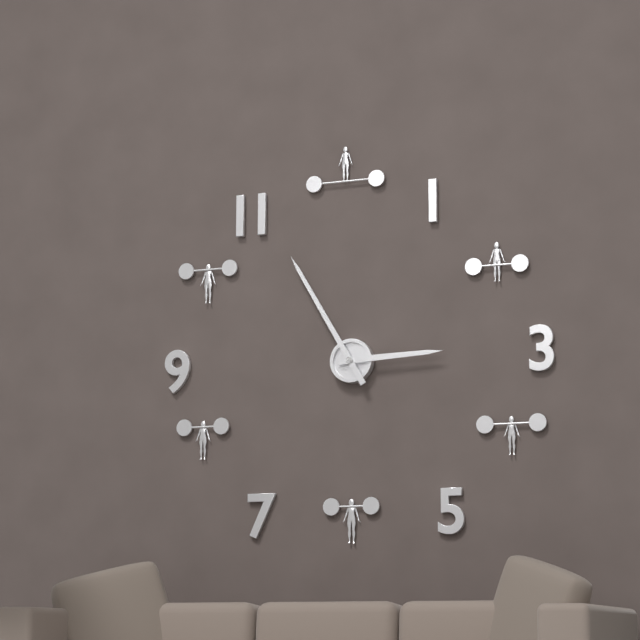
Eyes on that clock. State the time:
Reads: 2:55
